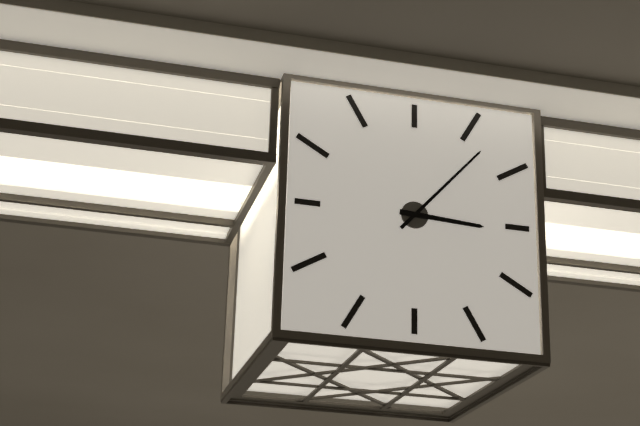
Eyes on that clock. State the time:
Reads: 3:07
